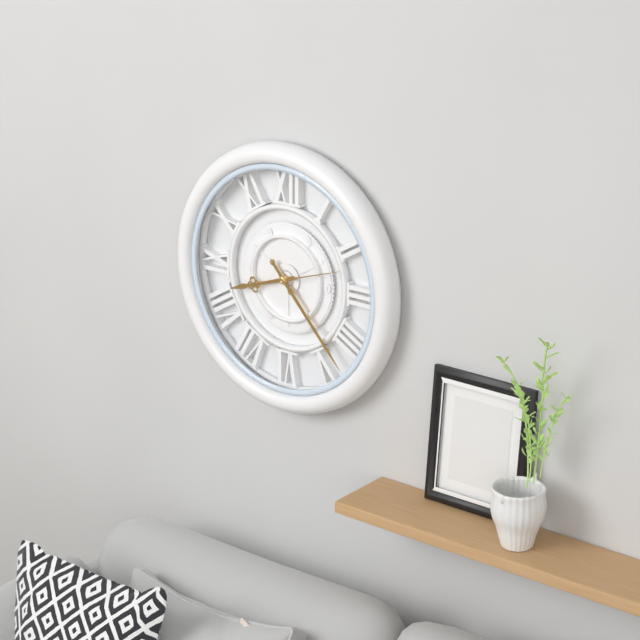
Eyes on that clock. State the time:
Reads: 8:23:12
